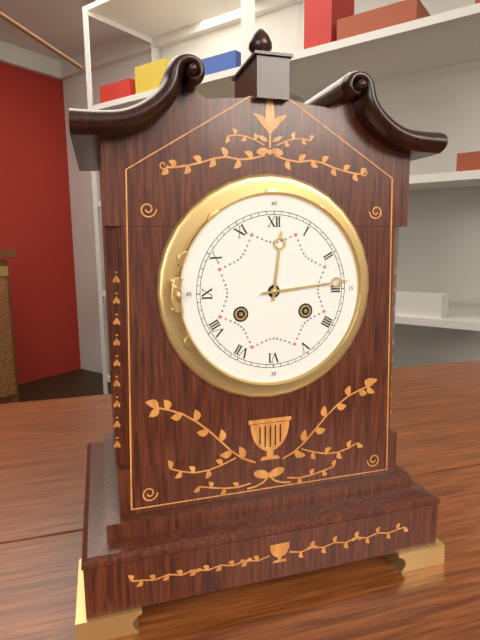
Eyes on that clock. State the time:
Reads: 12:14
